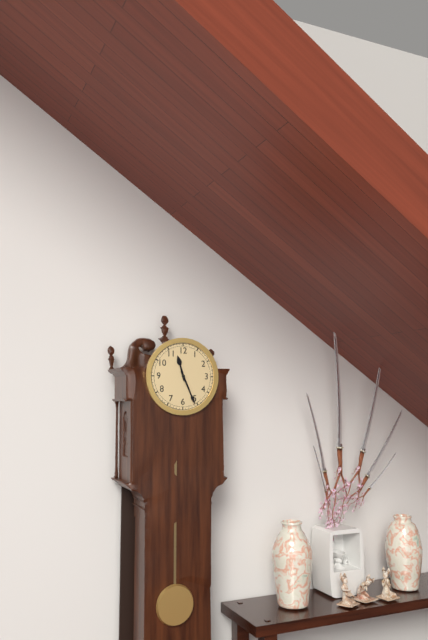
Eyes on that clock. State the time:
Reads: 11:26
